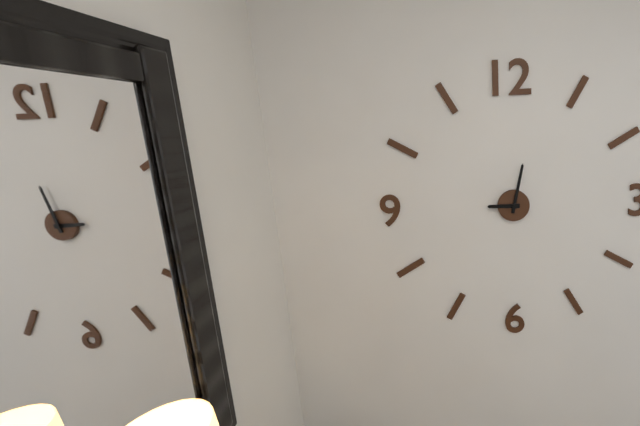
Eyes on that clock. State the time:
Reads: 9:02
